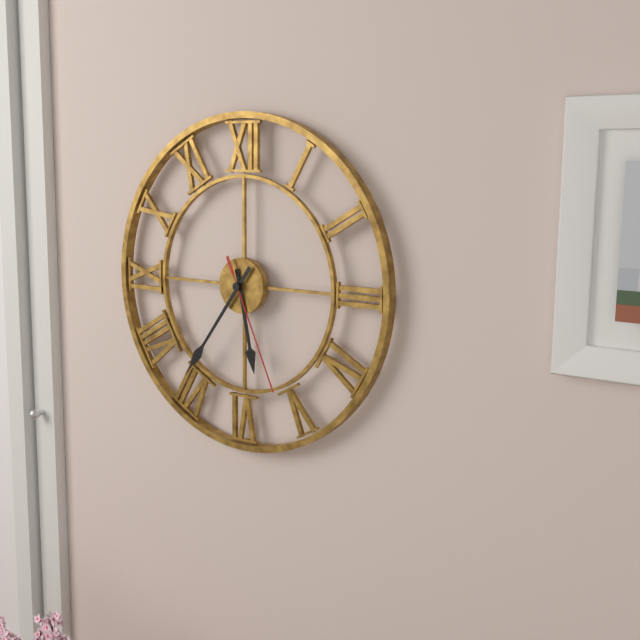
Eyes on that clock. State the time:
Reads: 5:36:26
